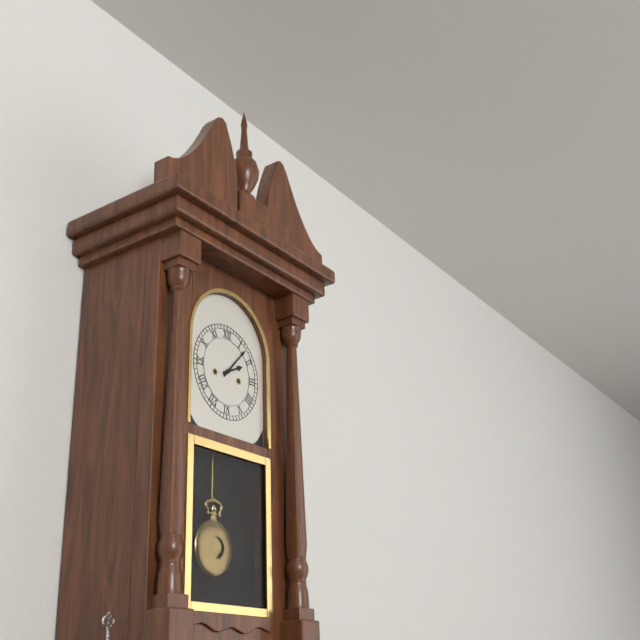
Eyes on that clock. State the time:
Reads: 2:07
